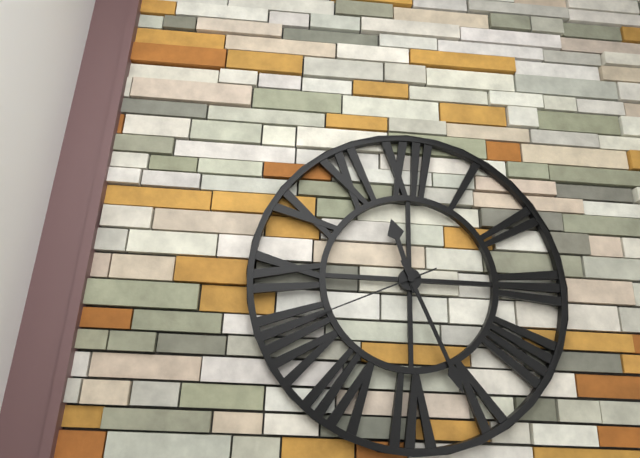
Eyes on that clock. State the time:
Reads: 11:26:41
